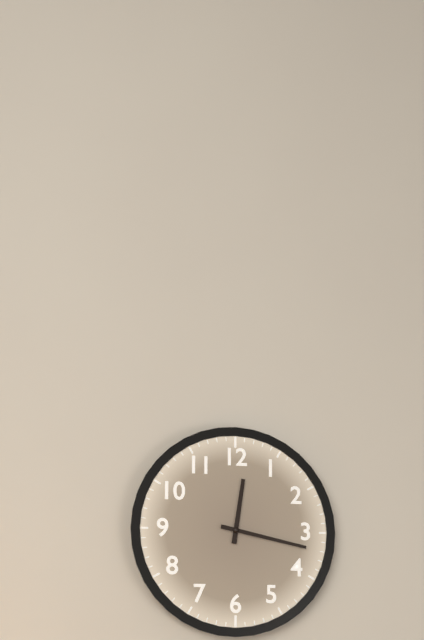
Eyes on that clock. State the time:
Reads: 12:17
